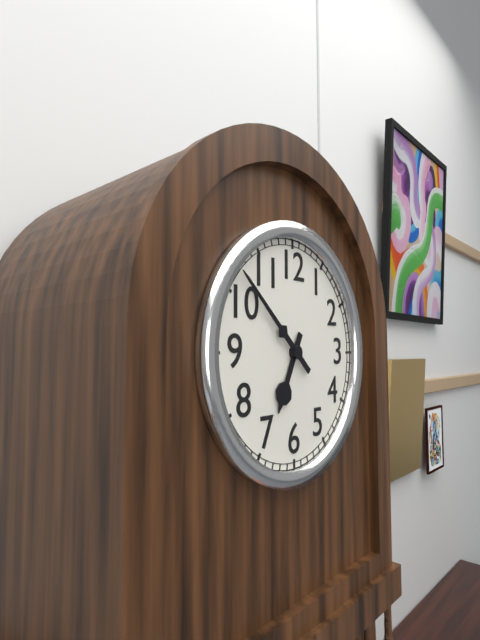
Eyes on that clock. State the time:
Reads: 6:52
